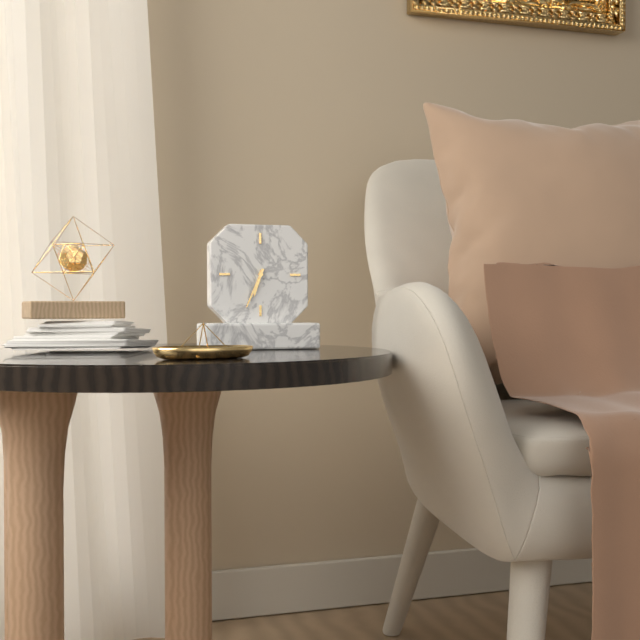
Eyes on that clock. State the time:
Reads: 6:34
